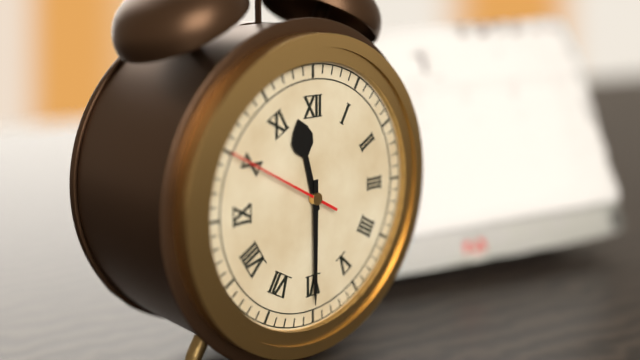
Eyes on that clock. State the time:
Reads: 11:30:50
